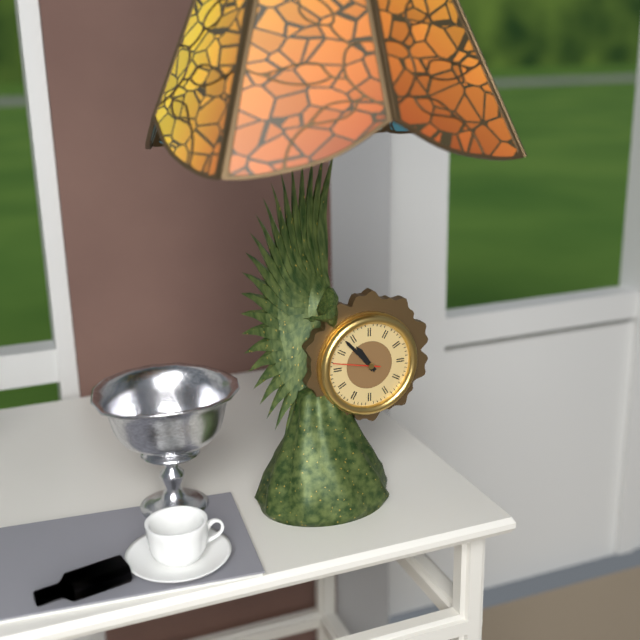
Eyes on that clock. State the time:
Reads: 10:53
